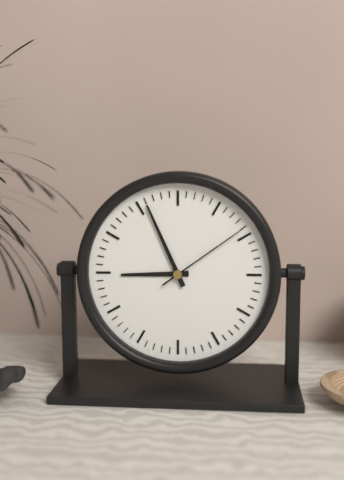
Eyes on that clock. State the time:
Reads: 8:56:09
